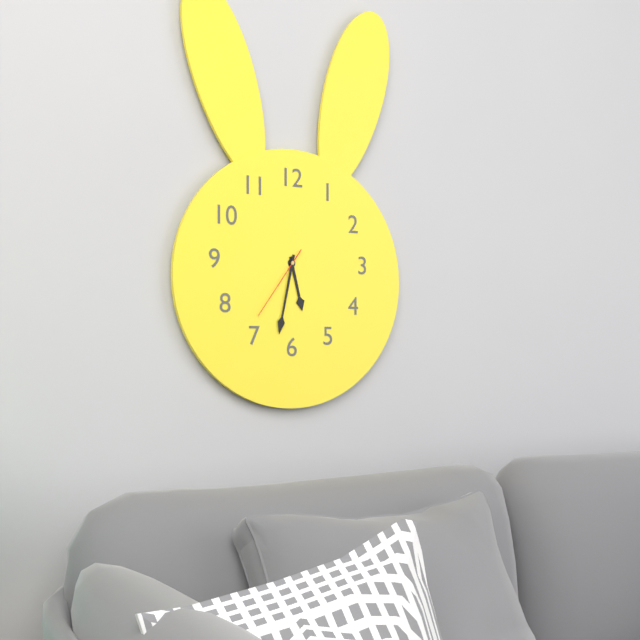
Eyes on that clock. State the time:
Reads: 5:32:36
